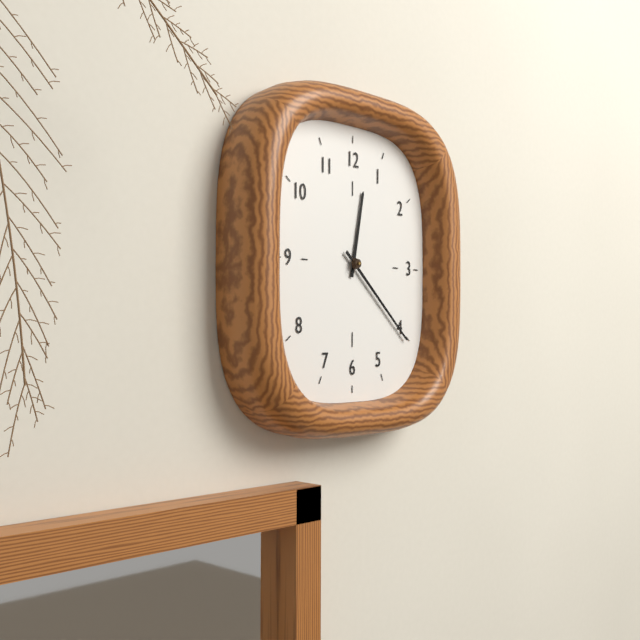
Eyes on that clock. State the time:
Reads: 12:22
